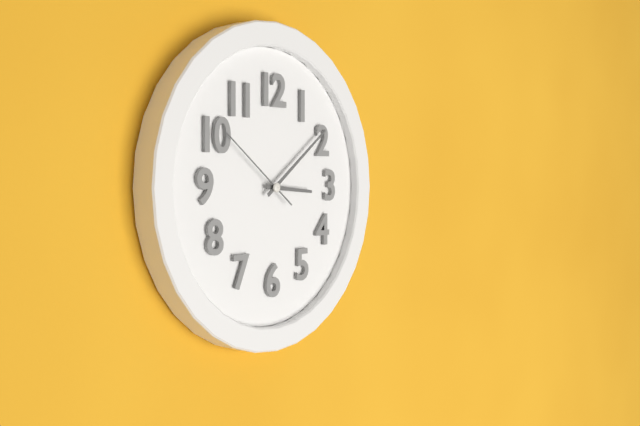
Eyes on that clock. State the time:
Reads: 3:09:51
